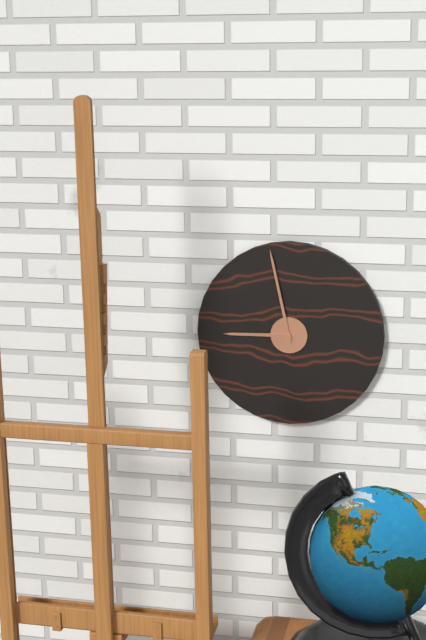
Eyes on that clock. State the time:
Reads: 8:58
